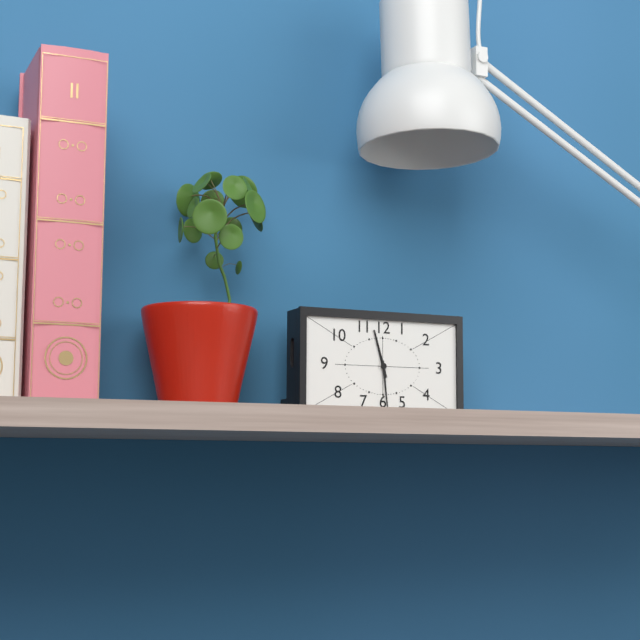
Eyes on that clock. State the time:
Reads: 11:29
